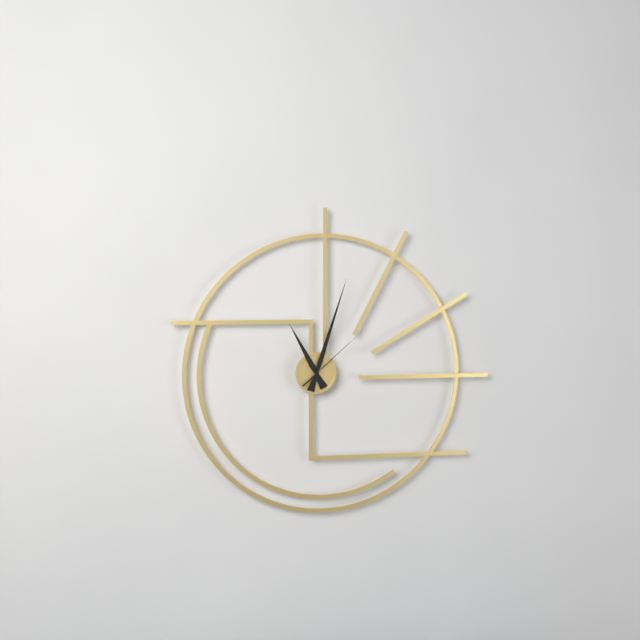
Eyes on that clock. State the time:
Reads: 11:03:08
